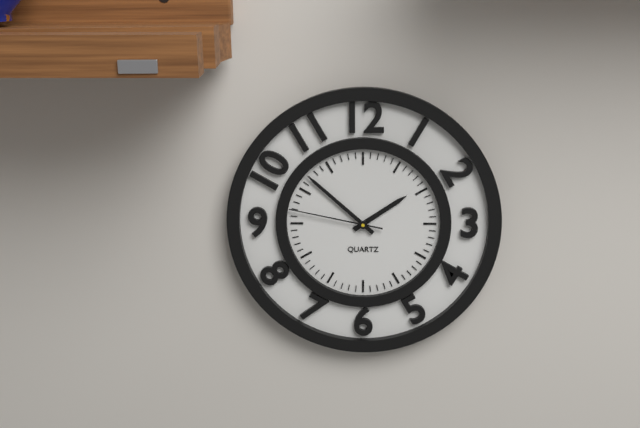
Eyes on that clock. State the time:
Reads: 1:52:47
